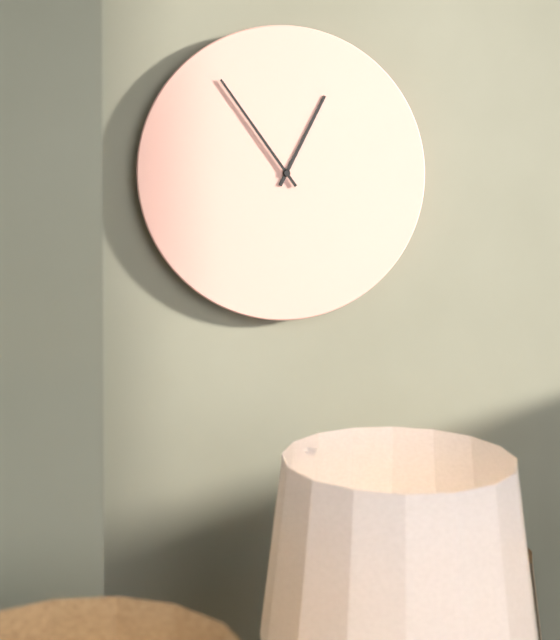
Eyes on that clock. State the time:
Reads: 12:54
